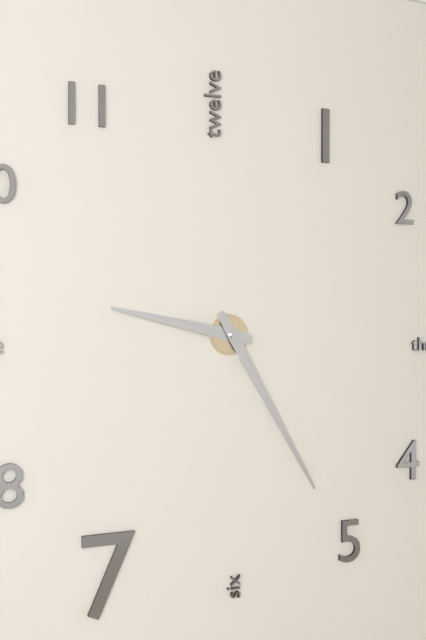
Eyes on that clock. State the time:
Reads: 9:25
